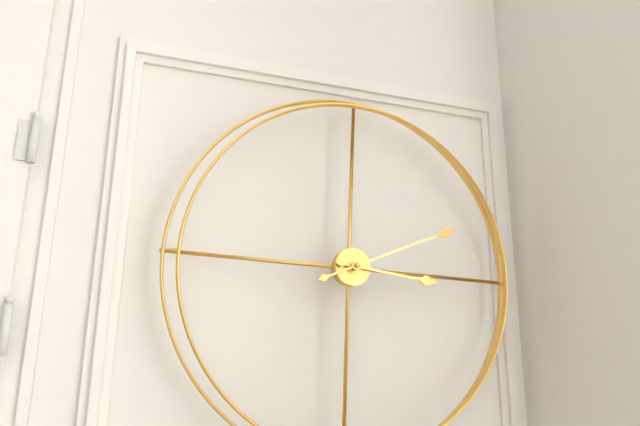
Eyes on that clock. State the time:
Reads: 3:11
